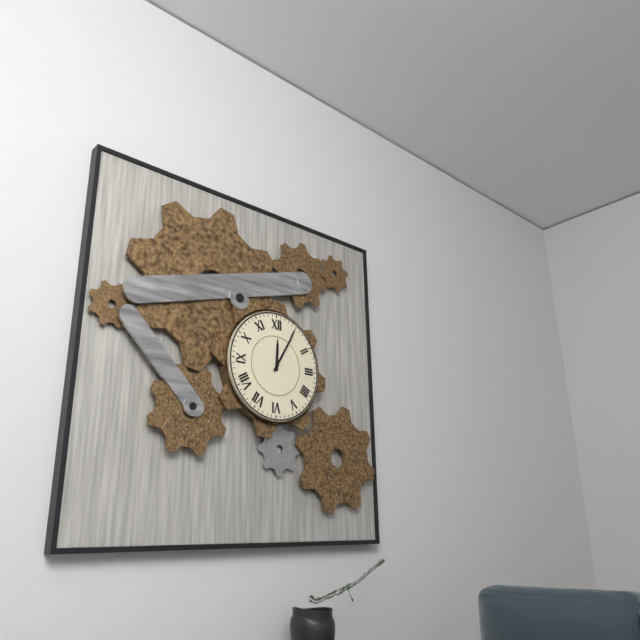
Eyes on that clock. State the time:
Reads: 12:05
